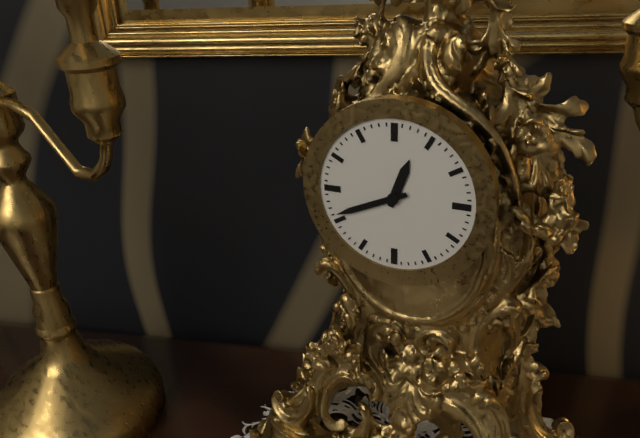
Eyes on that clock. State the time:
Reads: 12:41
